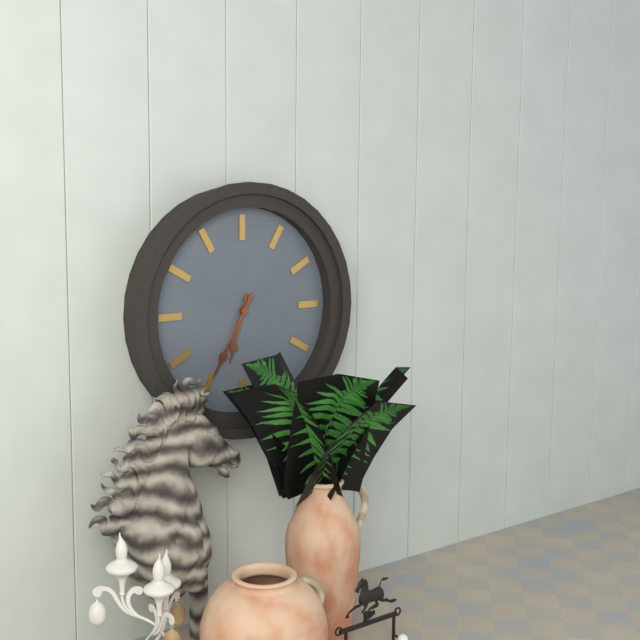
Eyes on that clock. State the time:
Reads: 6:35
